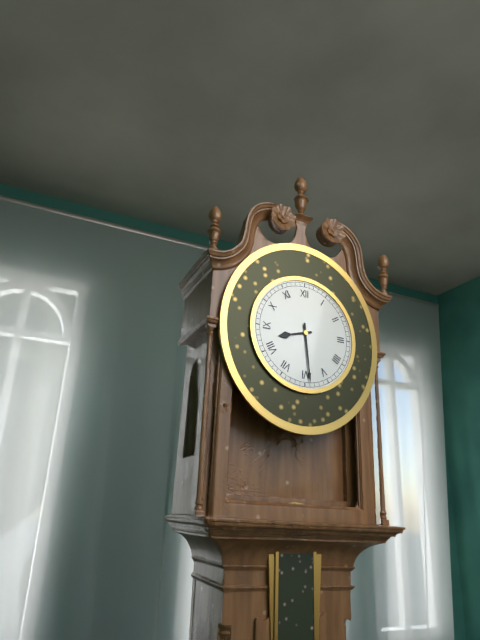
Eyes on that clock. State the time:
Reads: 8:29
